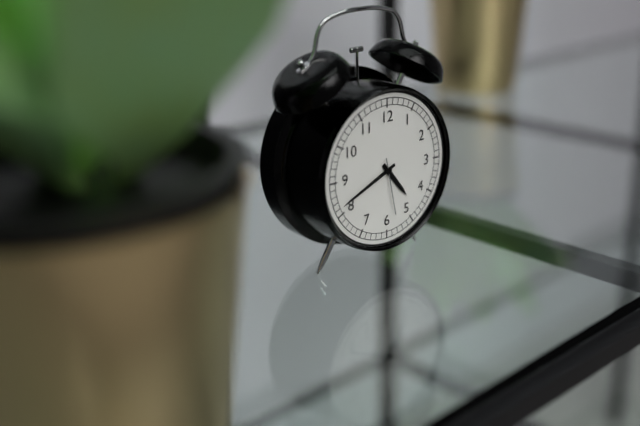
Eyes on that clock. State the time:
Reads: 4:41:28
